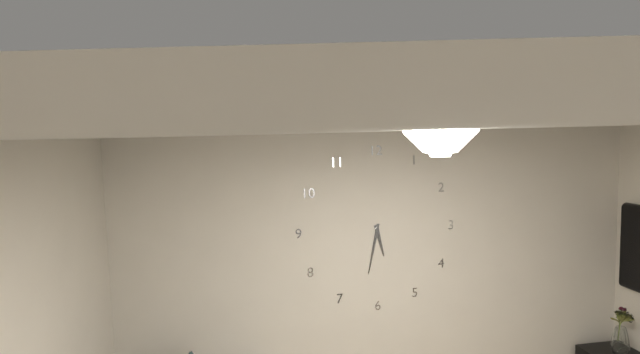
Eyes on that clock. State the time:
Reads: 5:32
